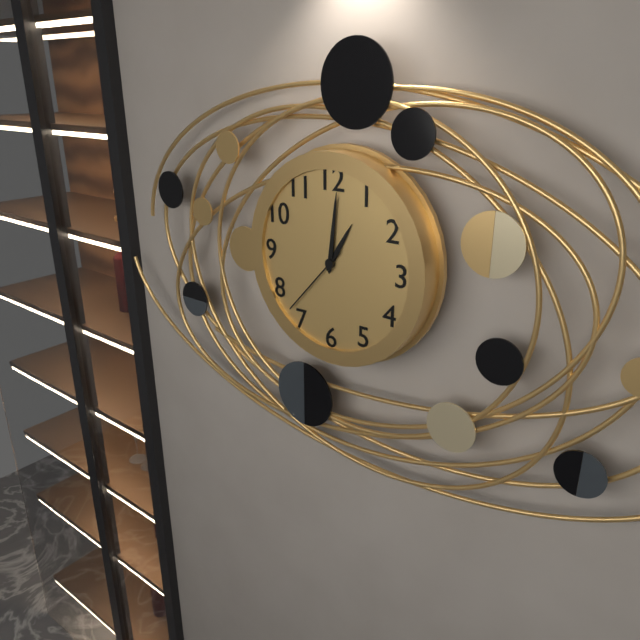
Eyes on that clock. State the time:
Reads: 1:01:37
